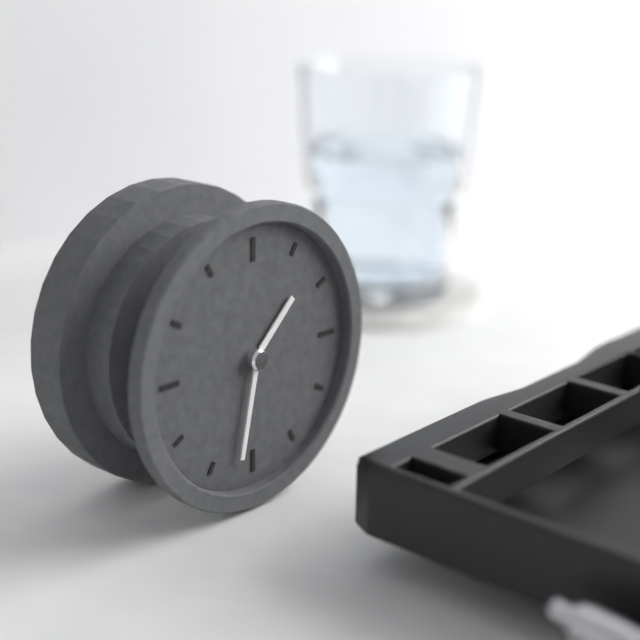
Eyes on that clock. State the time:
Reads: 1:32
